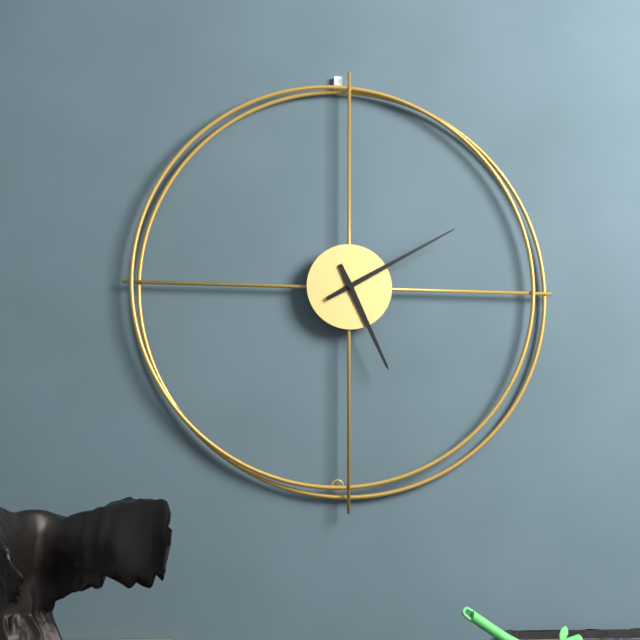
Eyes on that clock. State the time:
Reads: 5:10
